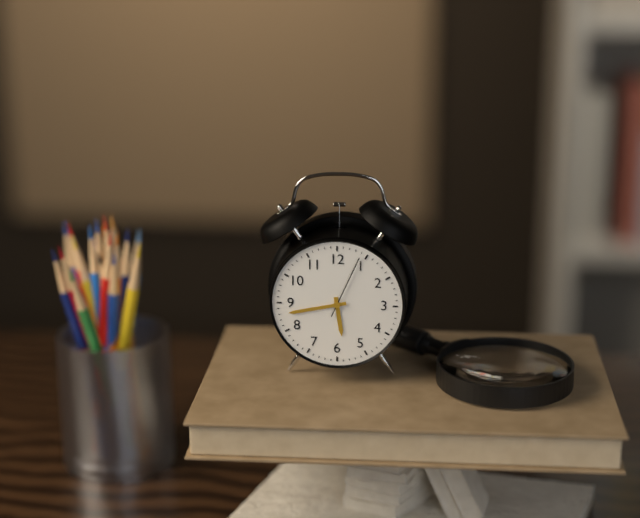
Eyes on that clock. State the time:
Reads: 5:43:04
